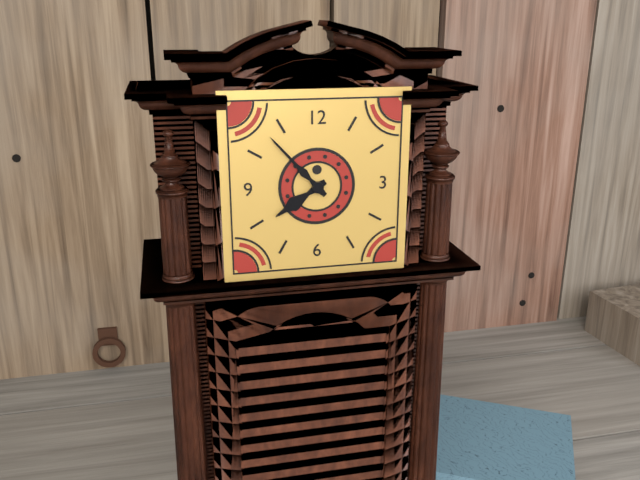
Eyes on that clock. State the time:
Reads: 7:53
